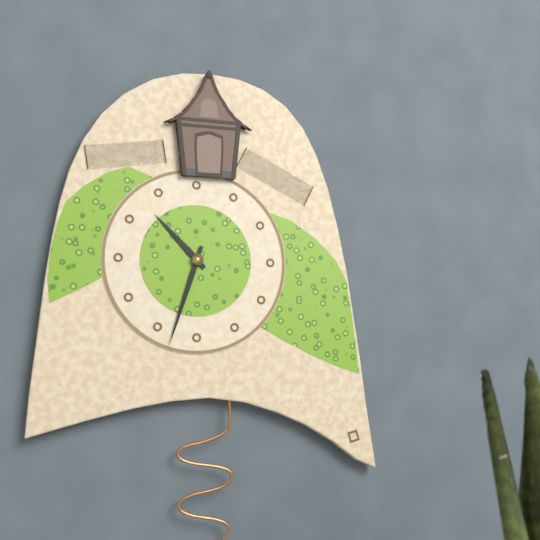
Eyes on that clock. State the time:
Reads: 10:33
